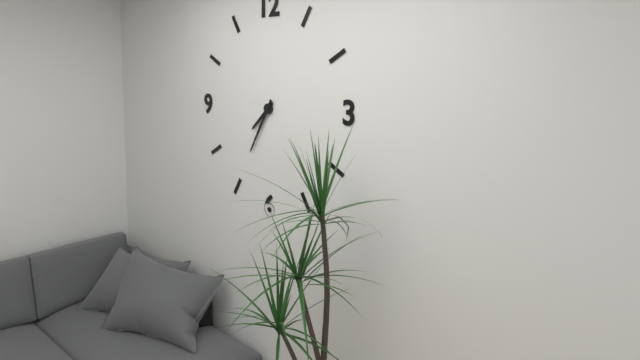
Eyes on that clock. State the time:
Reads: 7:35
